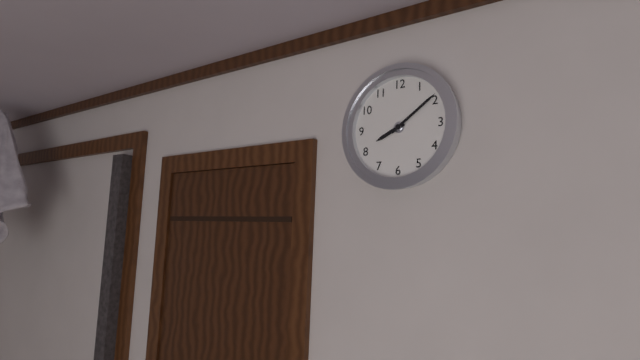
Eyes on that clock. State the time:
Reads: 8:09
